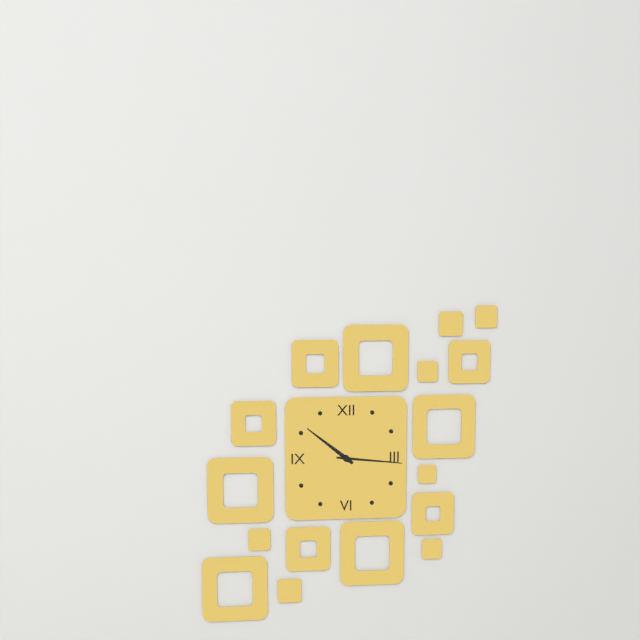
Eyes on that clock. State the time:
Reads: 10:16
